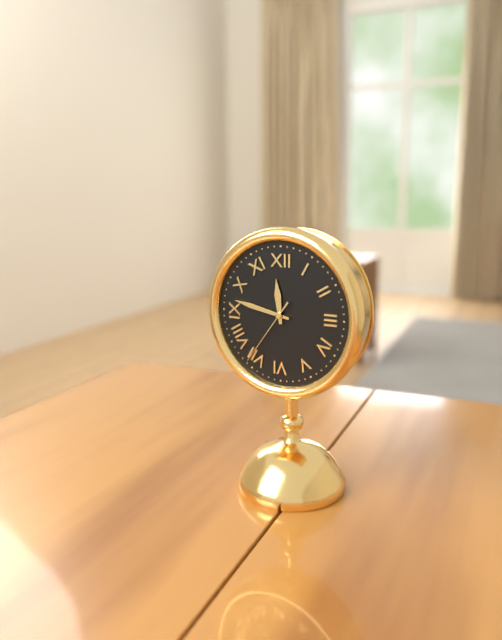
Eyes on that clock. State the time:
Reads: 11:47:36
